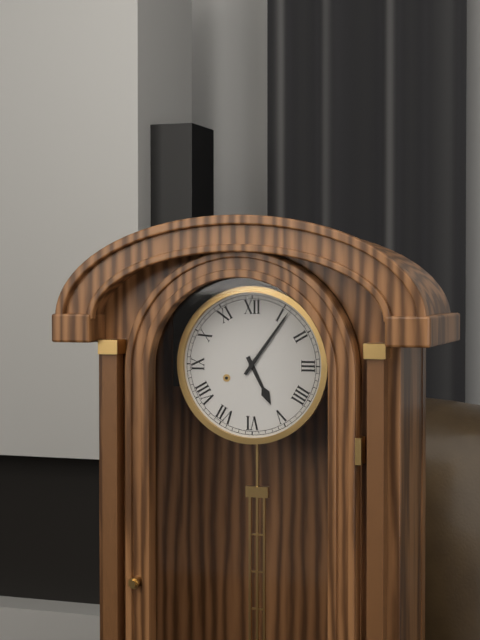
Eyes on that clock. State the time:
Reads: 5:06
